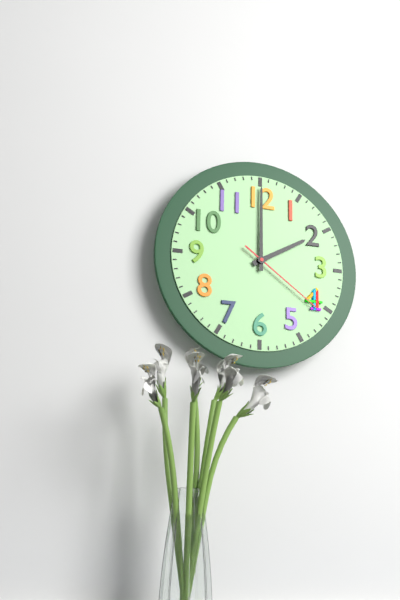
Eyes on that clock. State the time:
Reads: 2:00:21
